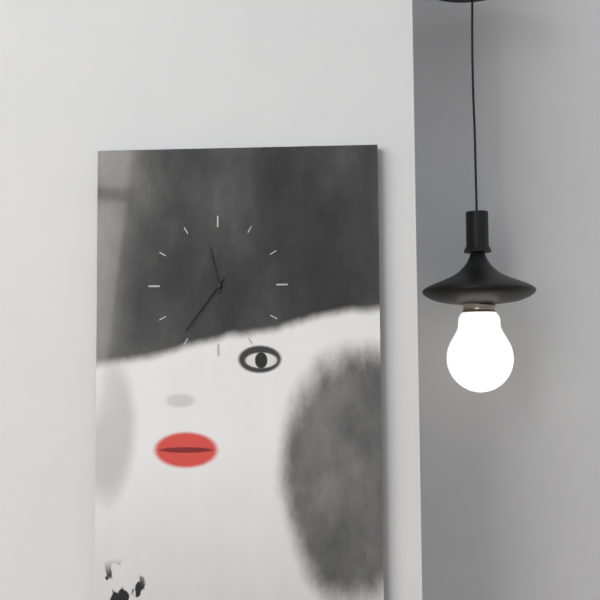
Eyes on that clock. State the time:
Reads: 11:36
